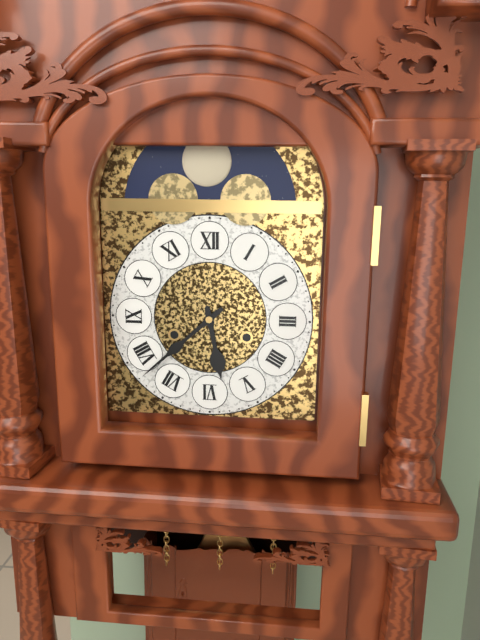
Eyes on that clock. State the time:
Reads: 5:38
